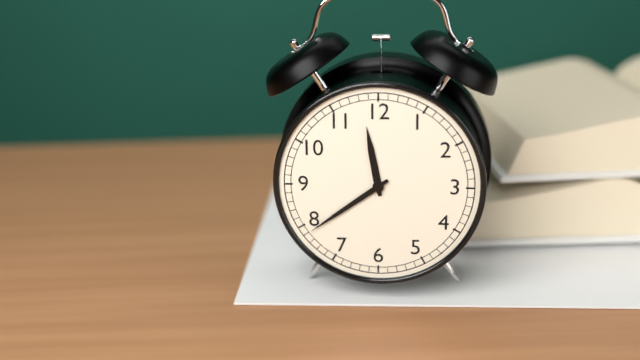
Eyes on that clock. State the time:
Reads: 11:39
